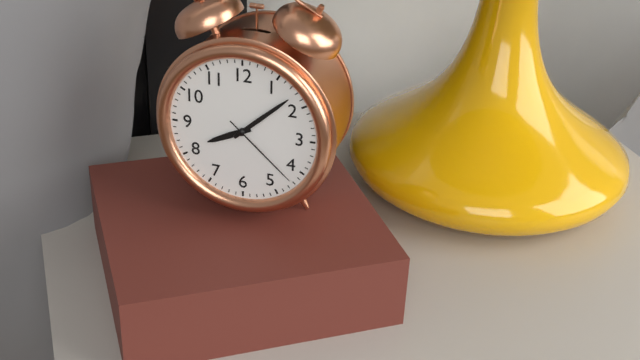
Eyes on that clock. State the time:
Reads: 8:08:22
